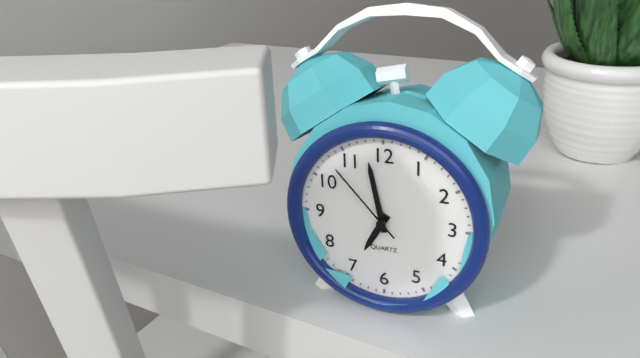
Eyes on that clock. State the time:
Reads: 6:58:53
